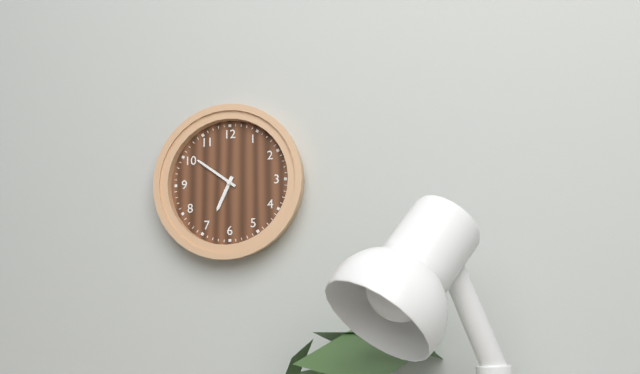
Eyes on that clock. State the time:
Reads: 6:51
